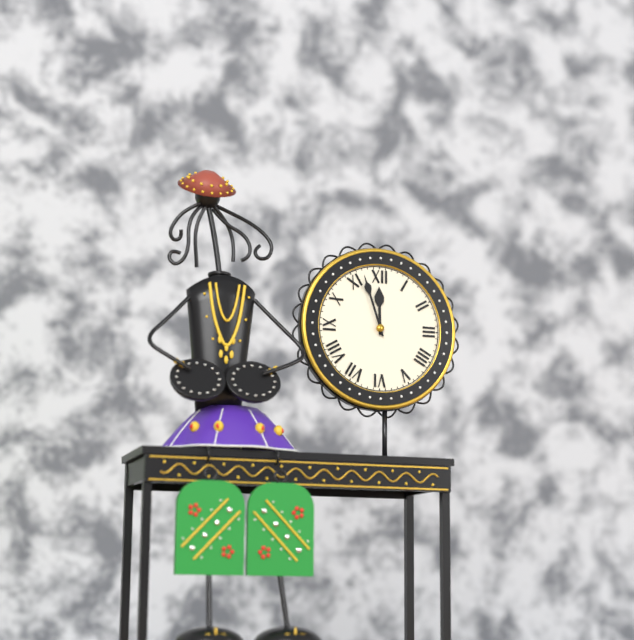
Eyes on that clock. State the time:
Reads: 11:57
